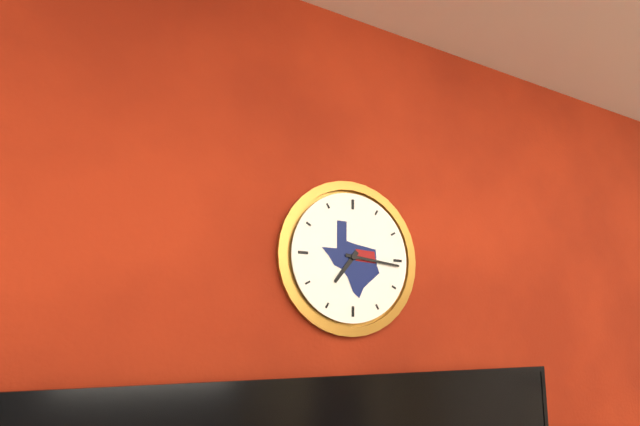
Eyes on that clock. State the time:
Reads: 7:16
